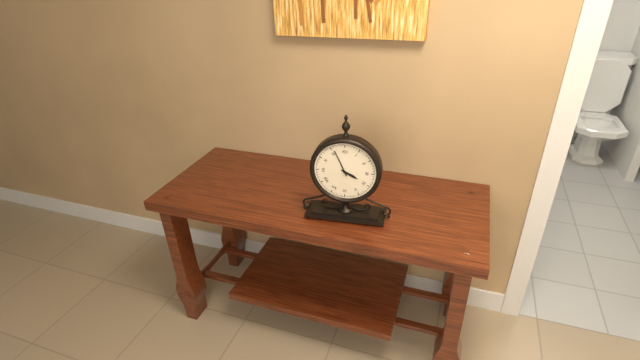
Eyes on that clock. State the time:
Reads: 3:56
